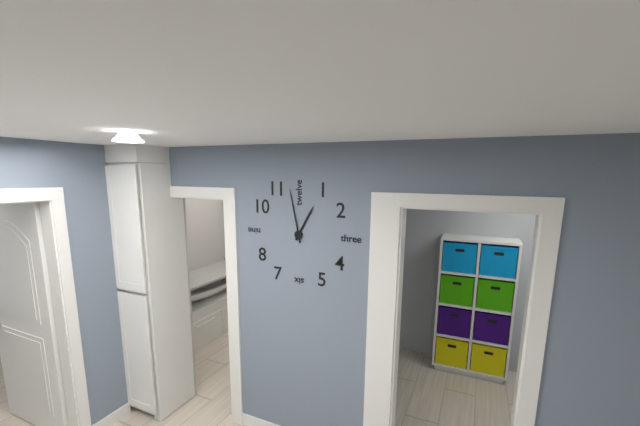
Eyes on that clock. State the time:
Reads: 12:58
